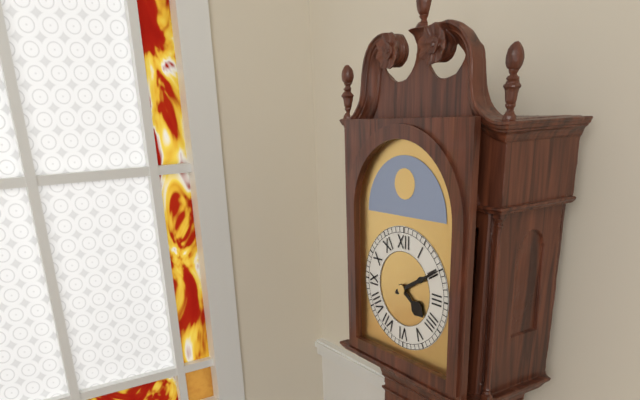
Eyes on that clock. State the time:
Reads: 4:10
